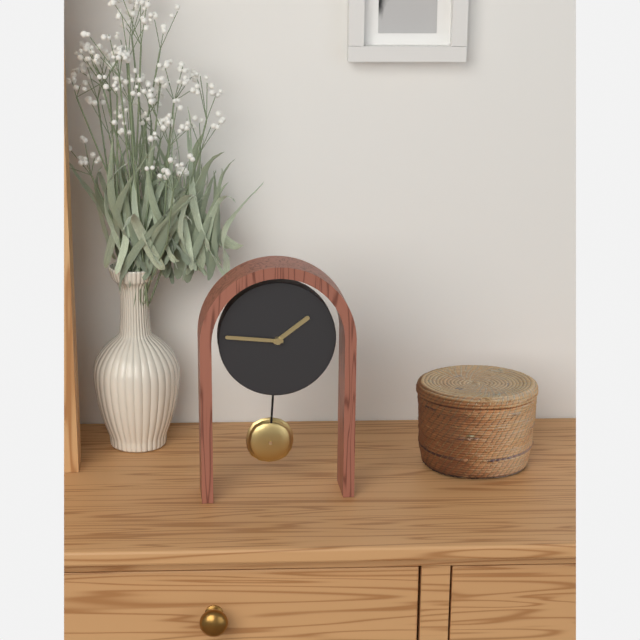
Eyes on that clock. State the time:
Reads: 1:46
